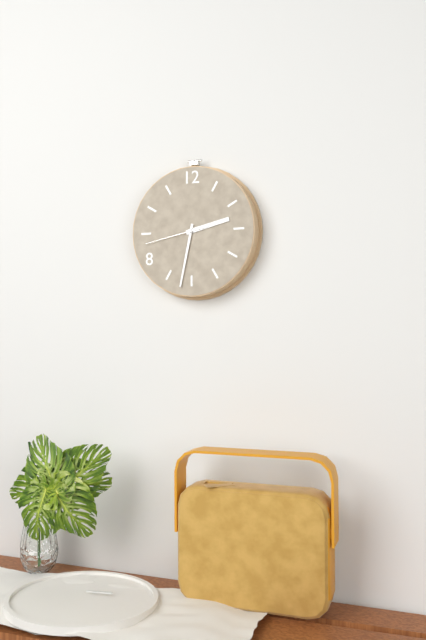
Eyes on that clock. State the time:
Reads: 2:32:43
